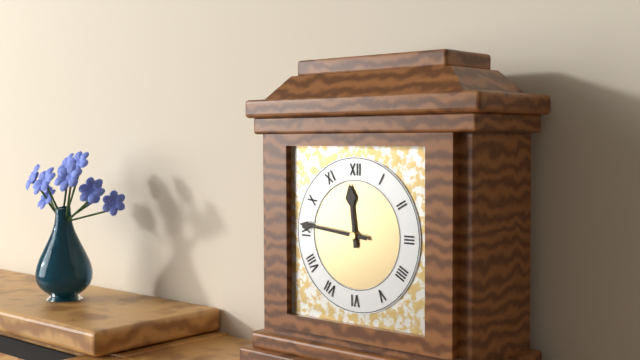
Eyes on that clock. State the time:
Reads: 11:46
